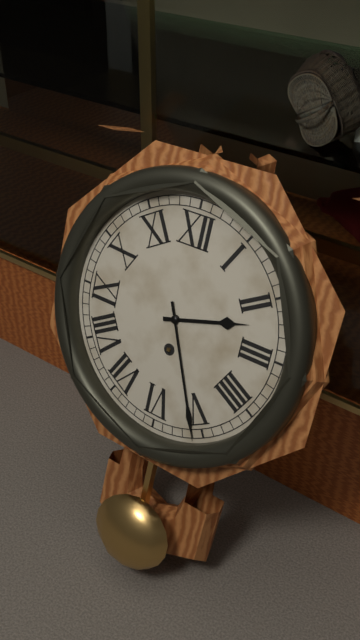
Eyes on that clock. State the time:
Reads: 2:26
